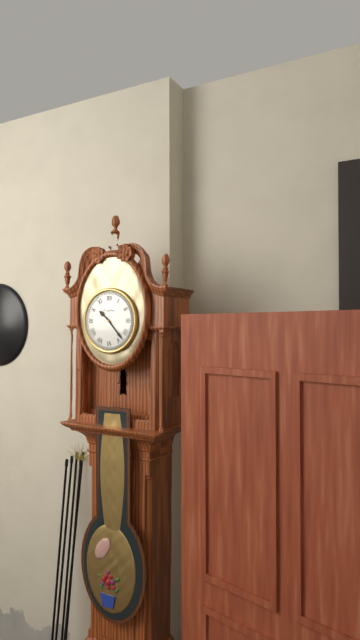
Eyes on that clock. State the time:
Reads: 10:23
